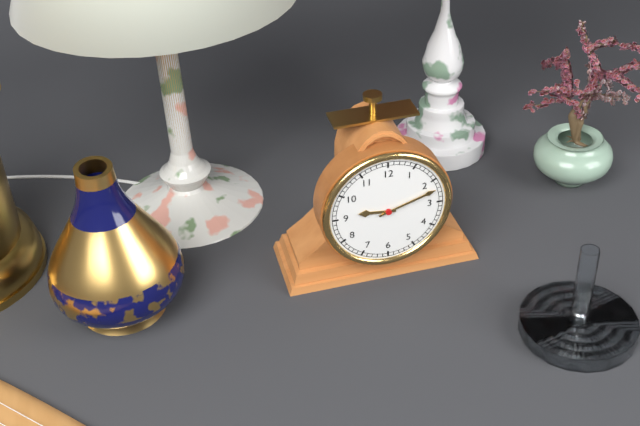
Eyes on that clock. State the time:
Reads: 9:12
